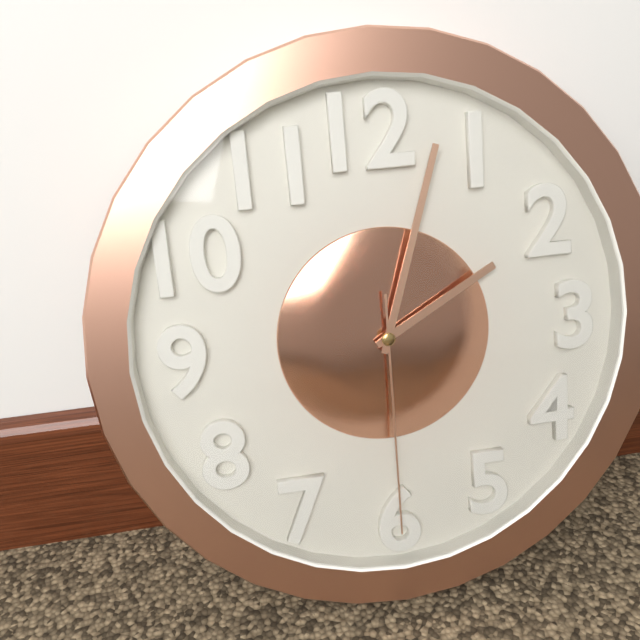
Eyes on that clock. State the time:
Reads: 2:03:30
